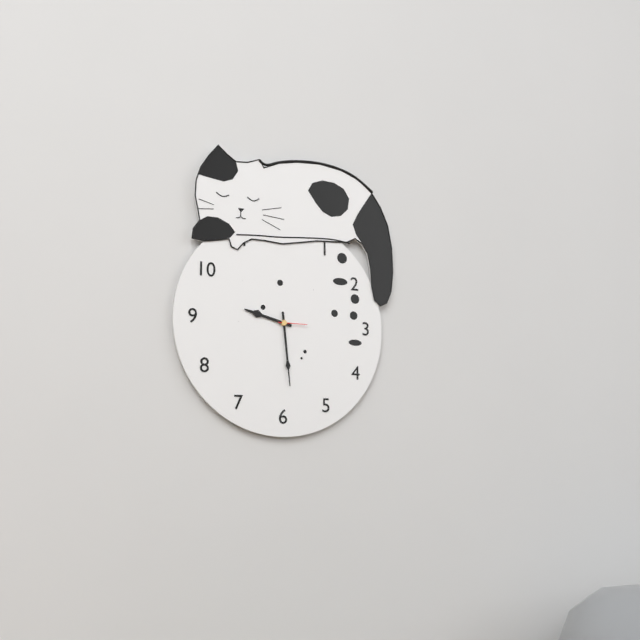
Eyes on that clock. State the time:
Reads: 9:29
